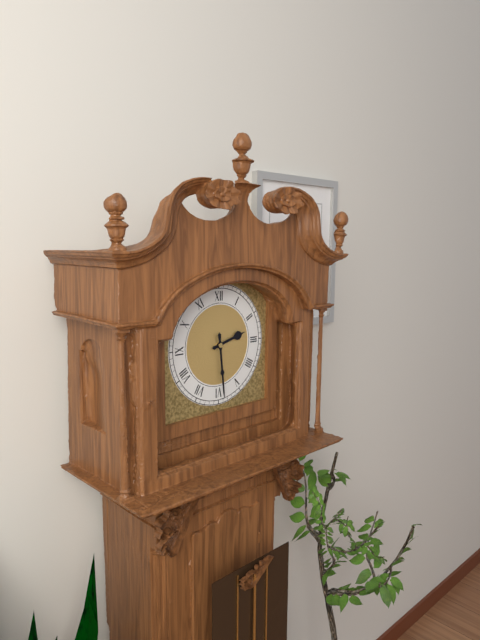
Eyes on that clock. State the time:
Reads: 2:29
